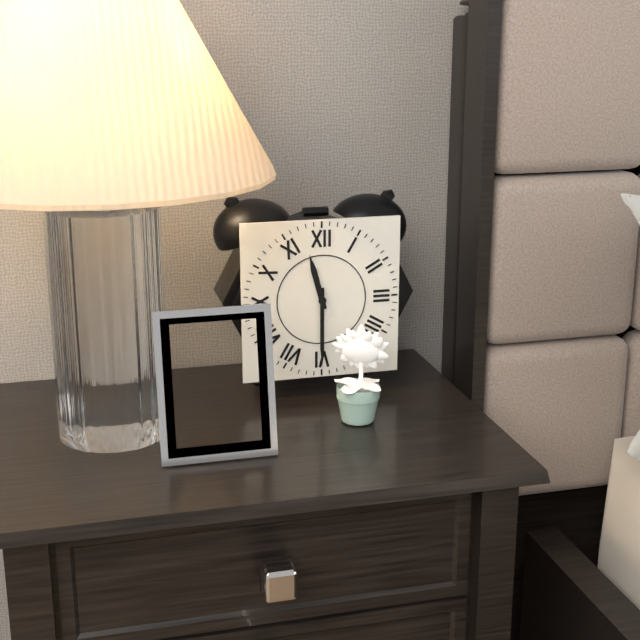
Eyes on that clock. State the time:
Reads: 11:30
